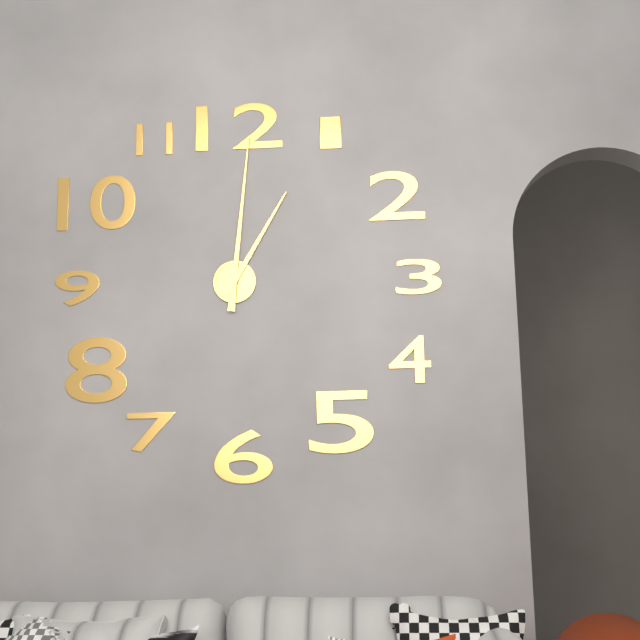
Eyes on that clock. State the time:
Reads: 1:01
